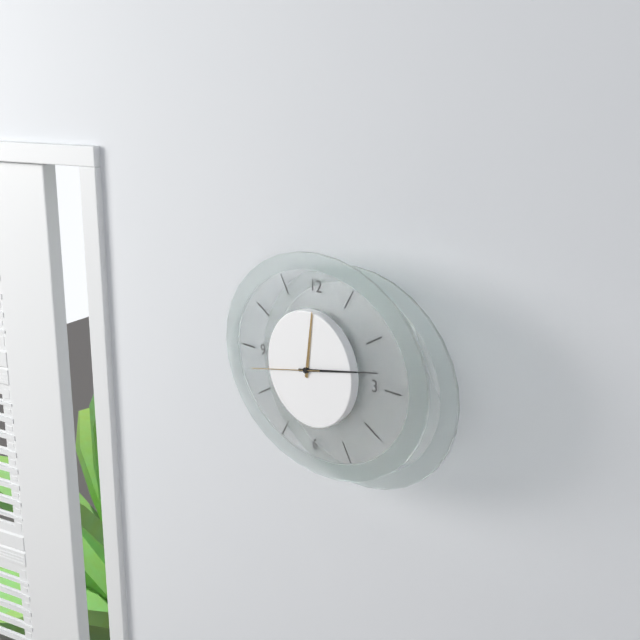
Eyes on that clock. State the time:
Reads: 12:13:43
